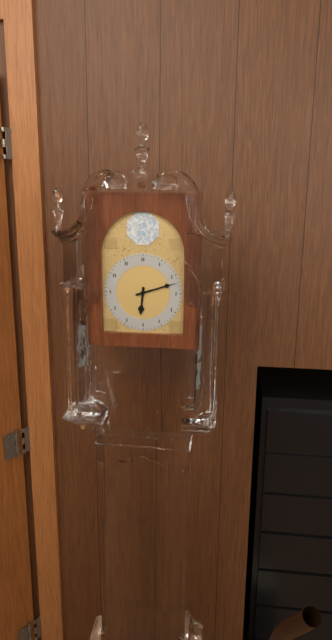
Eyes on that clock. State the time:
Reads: 6:12
